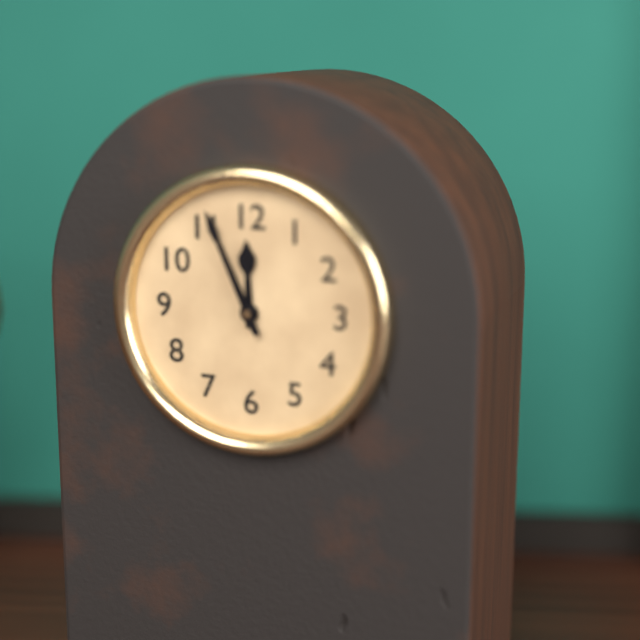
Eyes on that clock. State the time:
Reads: 11:56
